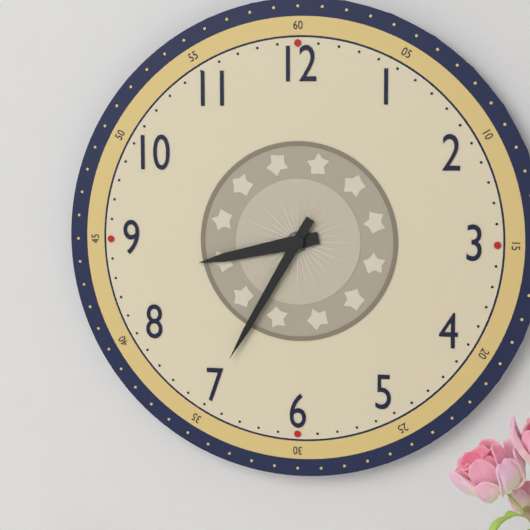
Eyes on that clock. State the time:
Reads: 8:35
